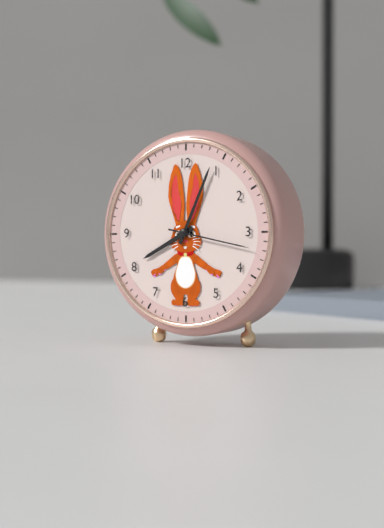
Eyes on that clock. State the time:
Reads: 8:04:17
